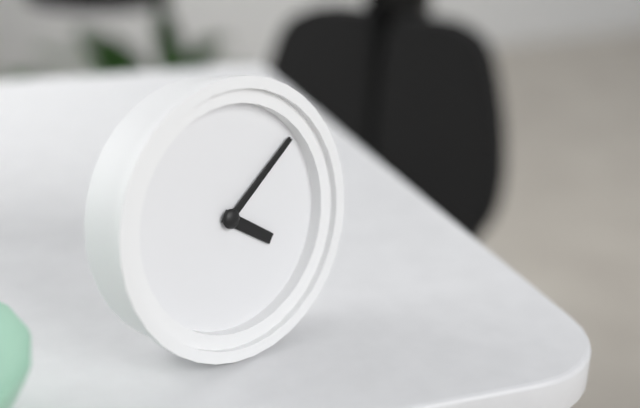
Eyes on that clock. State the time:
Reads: 4:09
